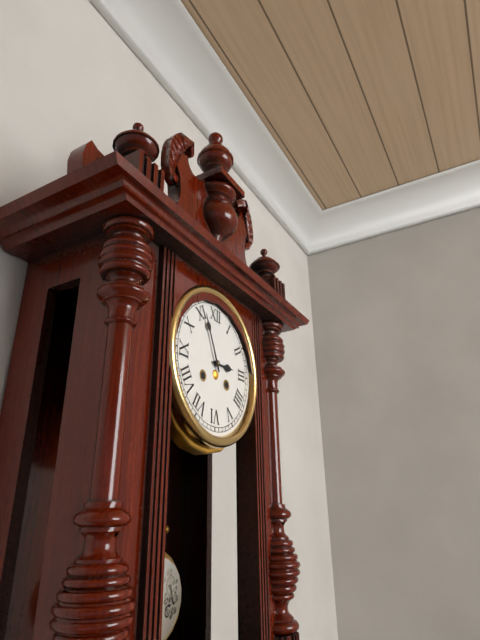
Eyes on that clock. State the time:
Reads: 2:56
